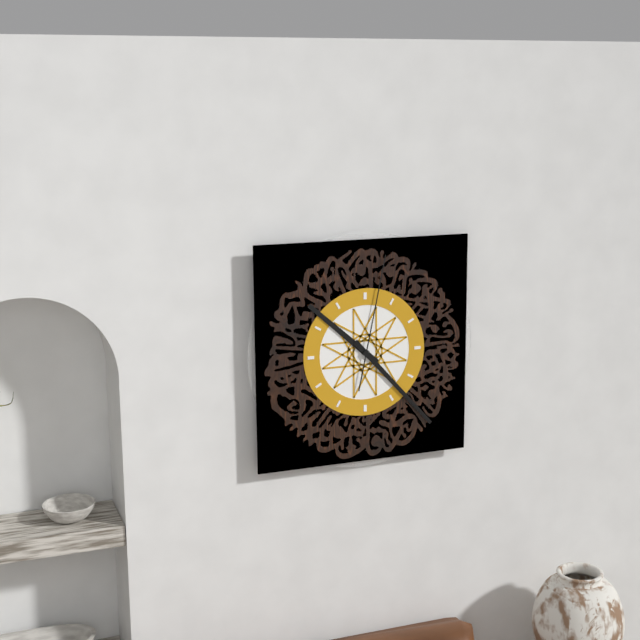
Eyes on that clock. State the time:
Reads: 10:23:02
